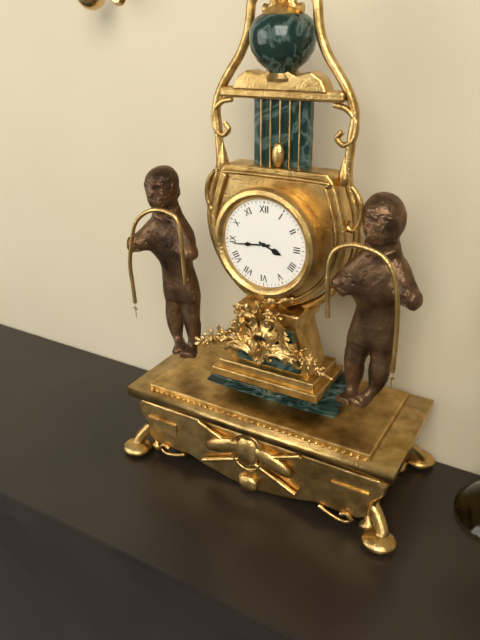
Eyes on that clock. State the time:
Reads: 3:44
